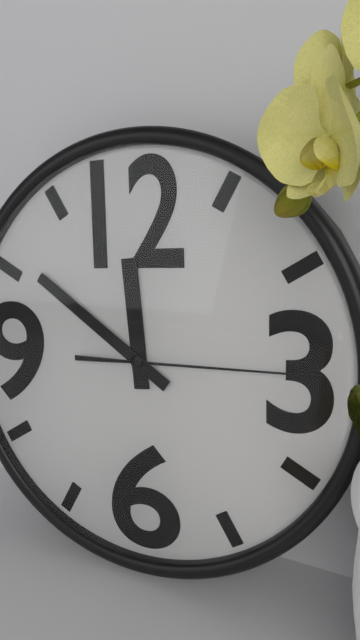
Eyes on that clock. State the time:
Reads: 11:51:15
